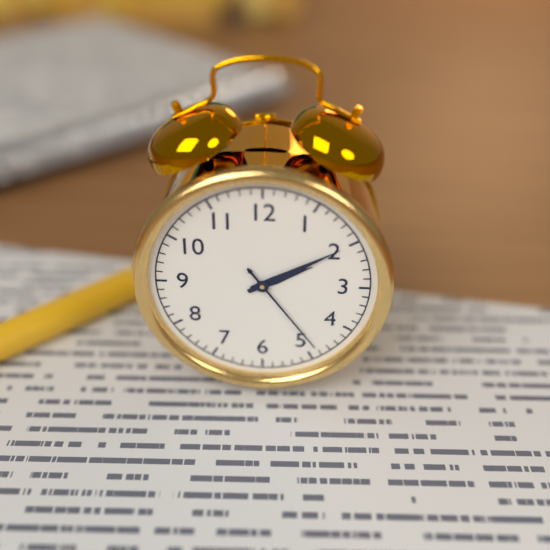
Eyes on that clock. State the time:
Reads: 2:10:24
